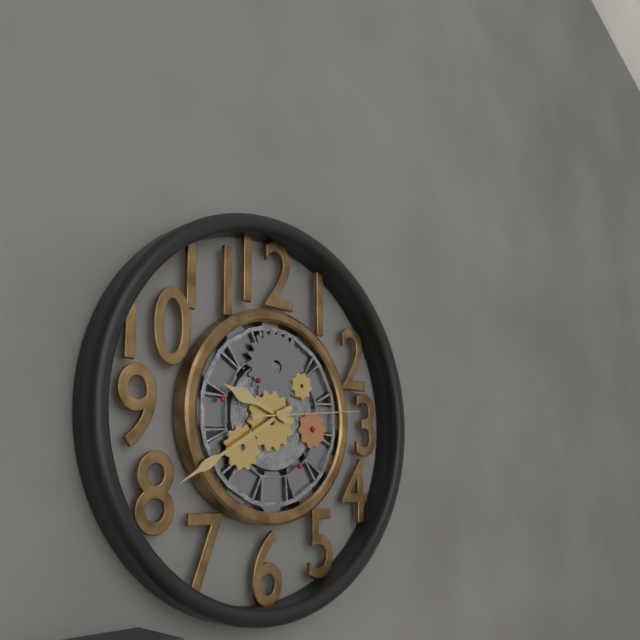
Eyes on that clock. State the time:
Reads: 9:40:14
